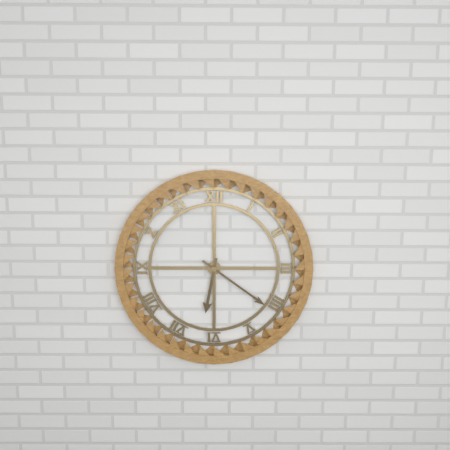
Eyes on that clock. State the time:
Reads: 6:21
